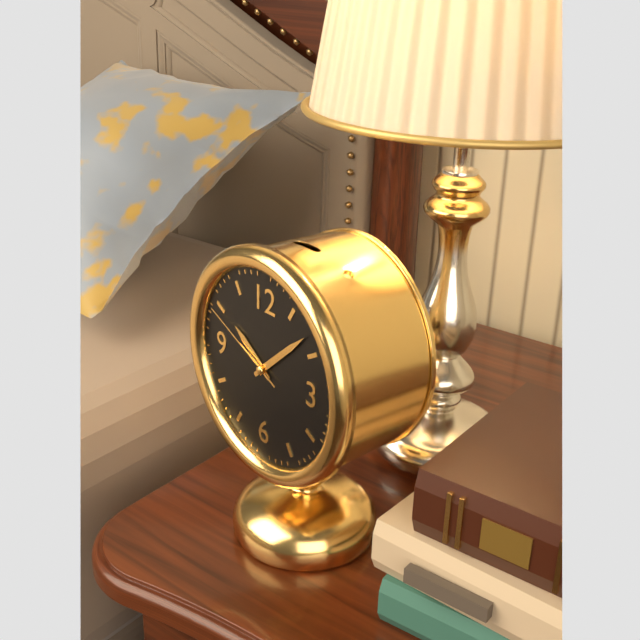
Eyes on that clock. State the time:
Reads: 10:08:49
